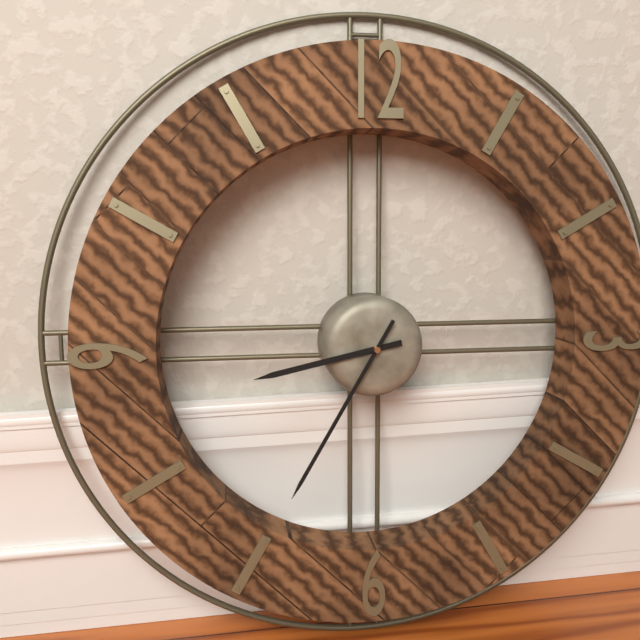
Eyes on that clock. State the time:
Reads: 8:35
